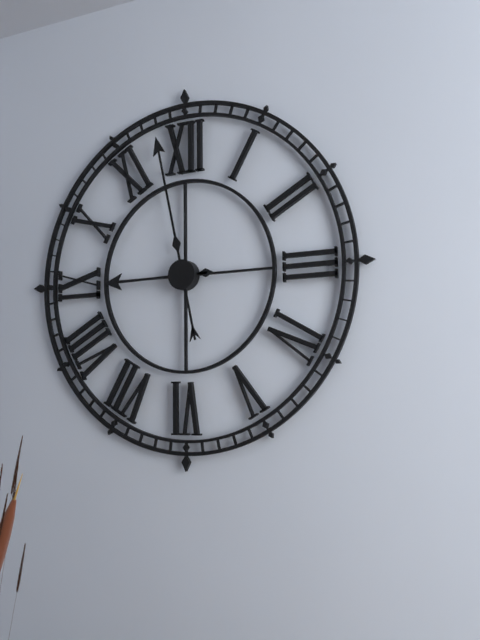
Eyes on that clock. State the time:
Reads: 8:58
